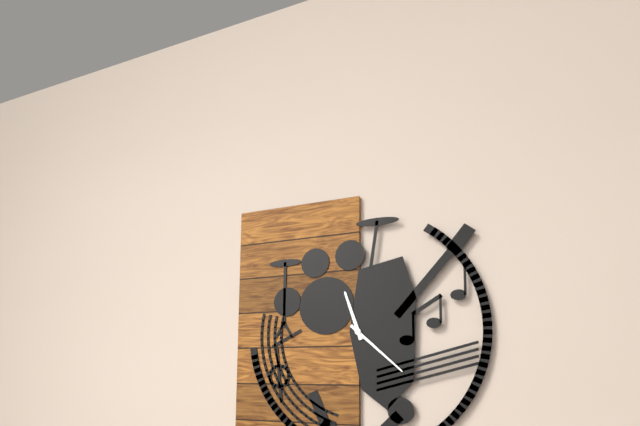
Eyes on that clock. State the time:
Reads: 11:22
